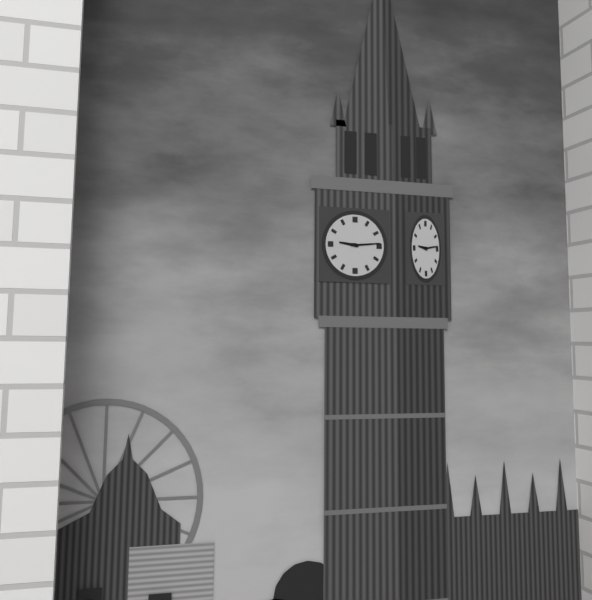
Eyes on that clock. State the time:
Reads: 9:14
